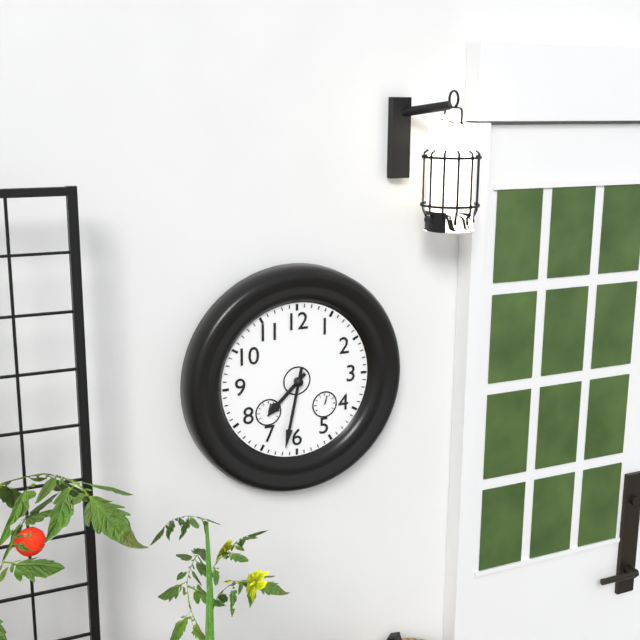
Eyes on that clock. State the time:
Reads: 7:32
